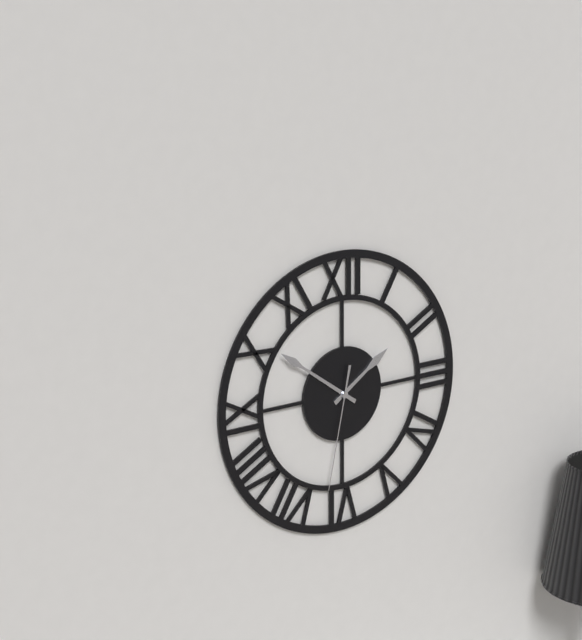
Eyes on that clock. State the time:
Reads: 1:51:32
